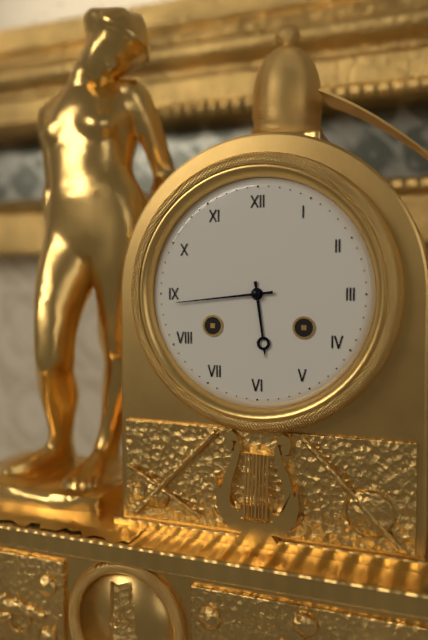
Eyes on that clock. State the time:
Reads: 5:44
